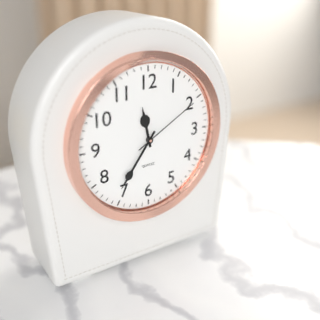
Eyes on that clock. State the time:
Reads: 11:36:10
